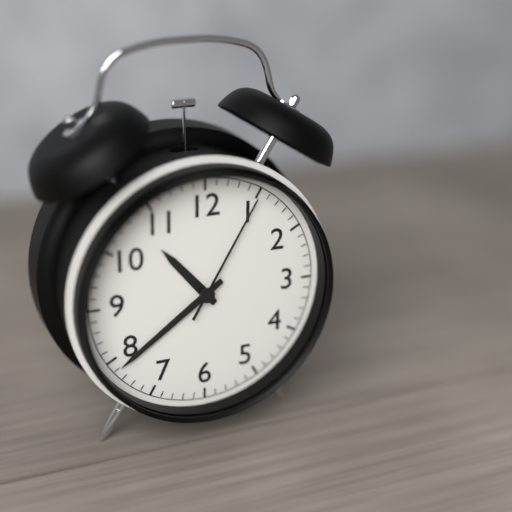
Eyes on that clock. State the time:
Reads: 10:39:05
